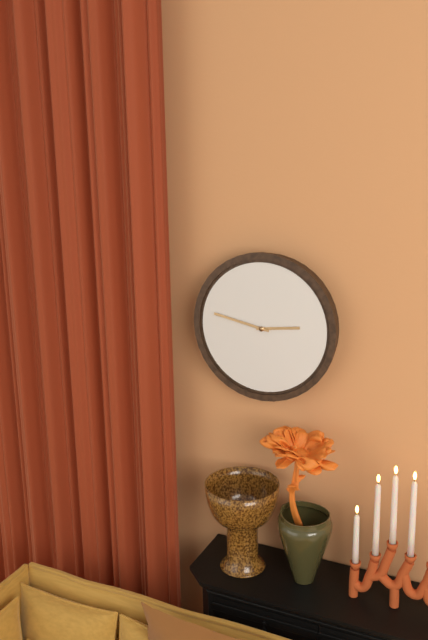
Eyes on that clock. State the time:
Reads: 2:47
